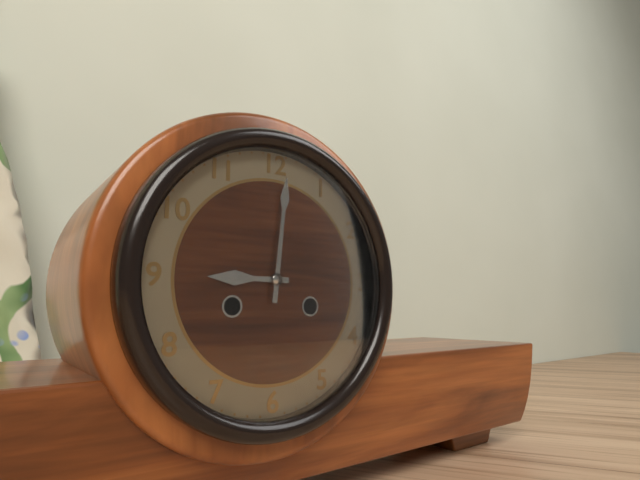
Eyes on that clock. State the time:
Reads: 9:01
